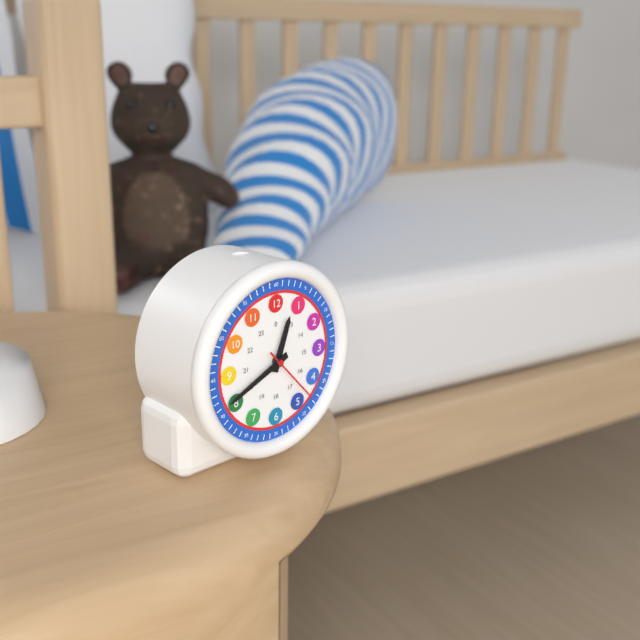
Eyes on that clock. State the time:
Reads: 12:41:23
